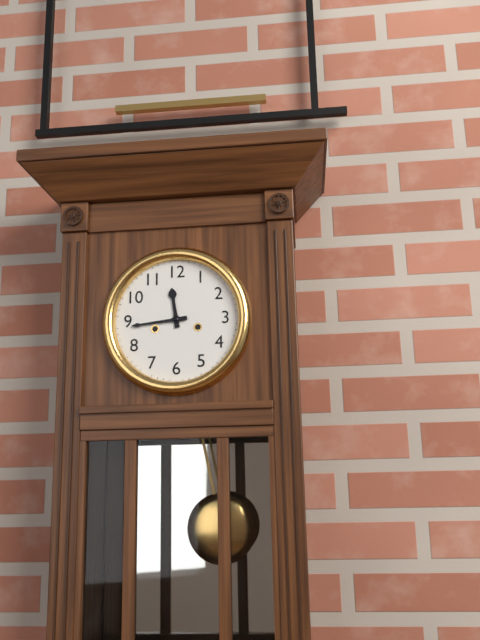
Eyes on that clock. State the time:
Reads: 11:44
